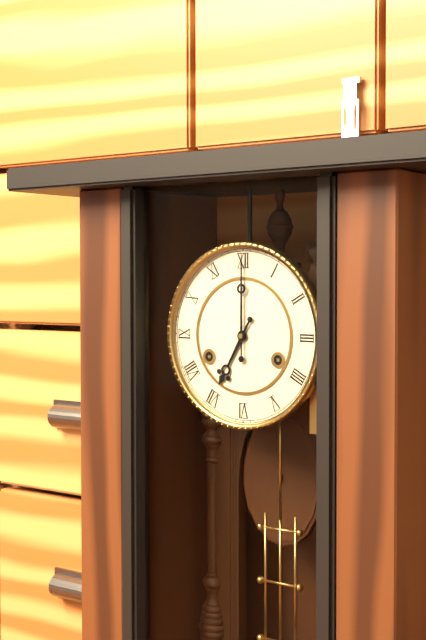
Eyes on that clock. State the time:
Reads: 7:00
